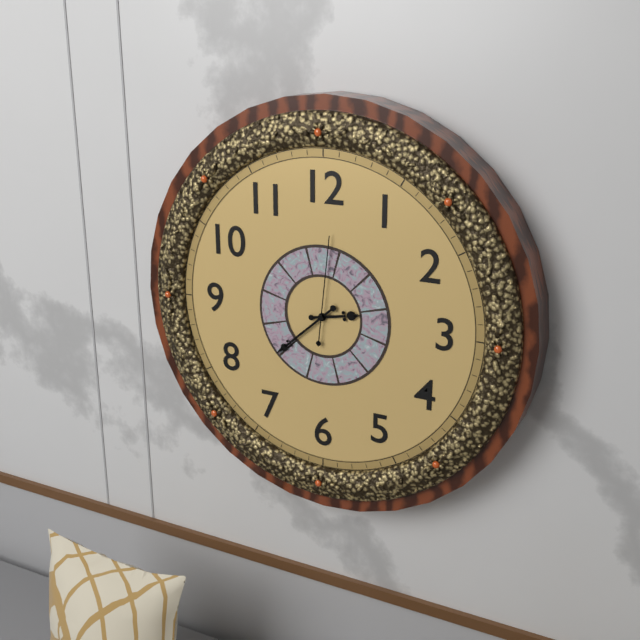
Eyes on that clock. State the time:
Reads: 2:38:01
